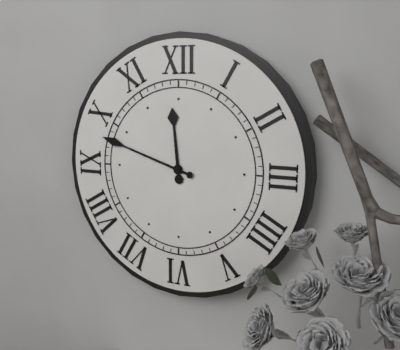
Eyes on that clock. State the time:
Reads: 11:48
